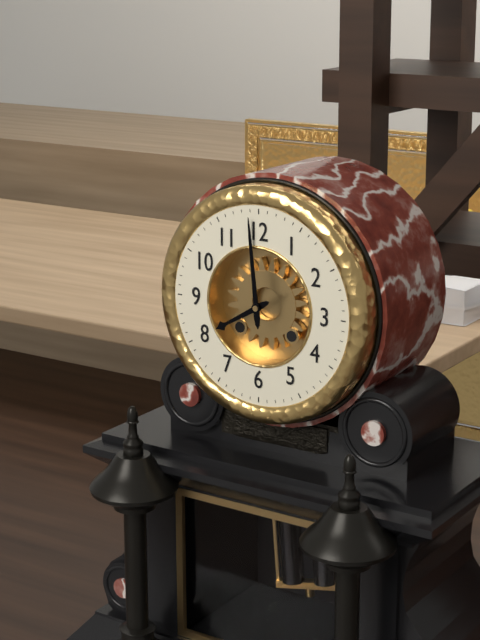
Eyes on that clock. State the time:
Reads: 7:59
